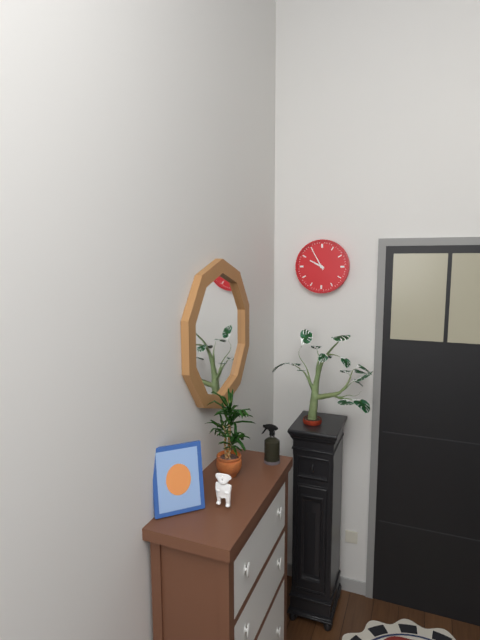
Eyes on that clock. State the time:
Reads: 9:55
